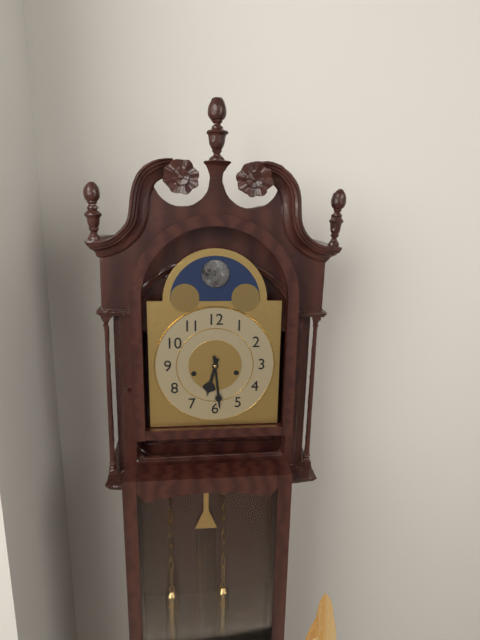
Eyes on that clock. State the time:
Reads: 6:29
